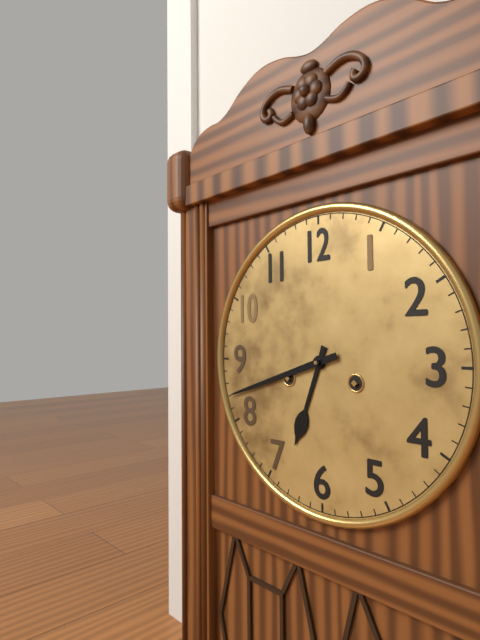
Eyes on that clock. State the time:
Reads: 6:42
